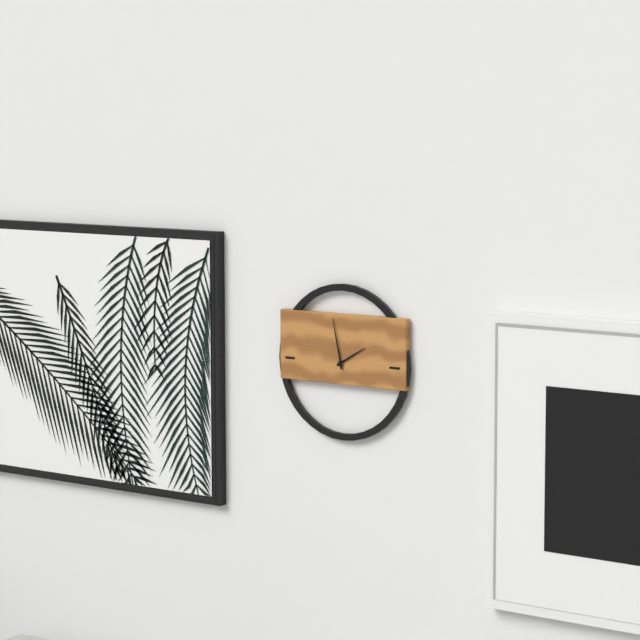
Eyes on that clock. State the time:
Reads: 1:58
